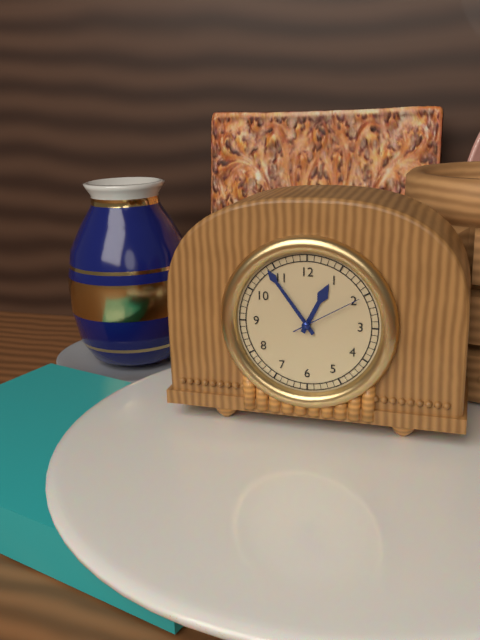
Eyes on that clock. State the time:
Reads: 12:54:10
